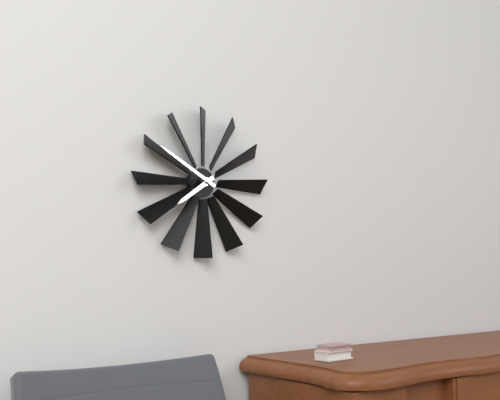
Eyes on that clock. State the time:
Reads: 7:50
